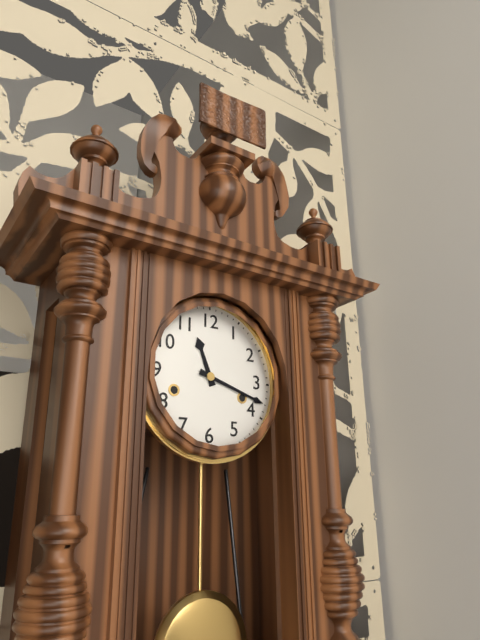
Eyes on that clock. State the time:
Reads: 11:18
